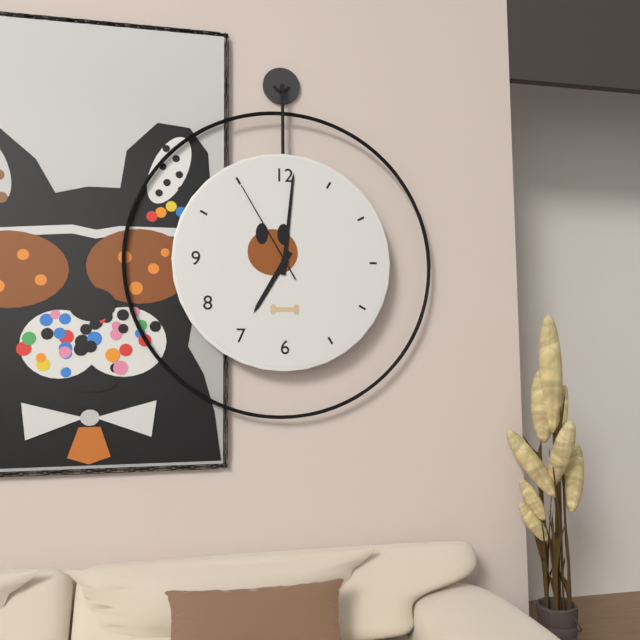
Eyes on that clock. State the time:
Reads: 7:01:55
